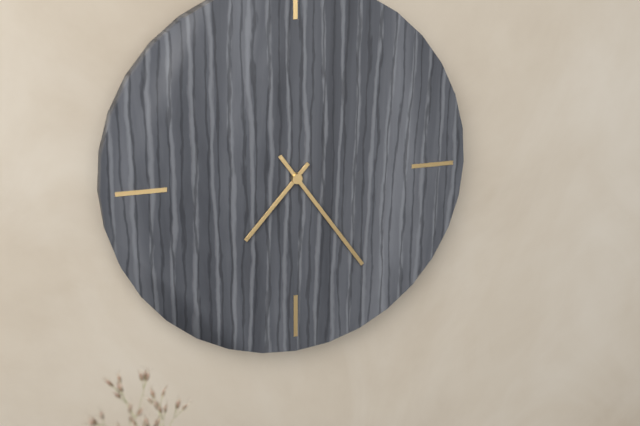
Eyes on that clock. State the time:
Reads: 7:24
